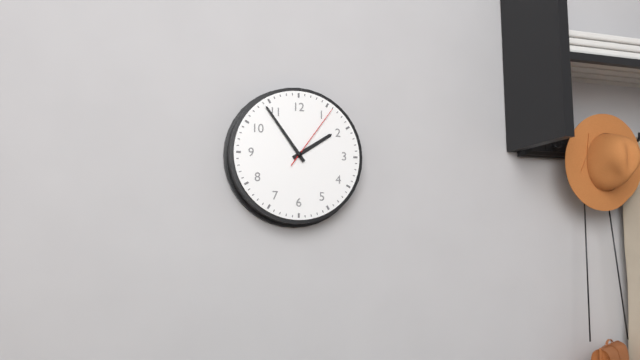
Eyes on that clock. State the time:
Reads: 1:54:06
